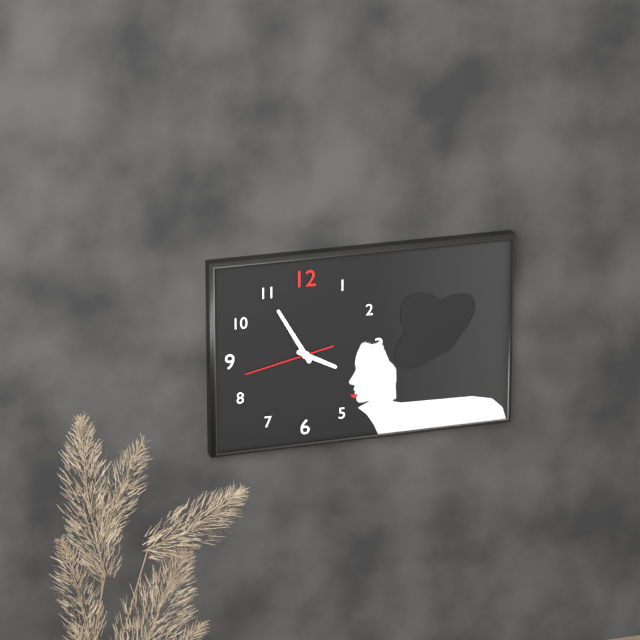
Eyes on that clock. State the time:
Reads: 3:55:43
